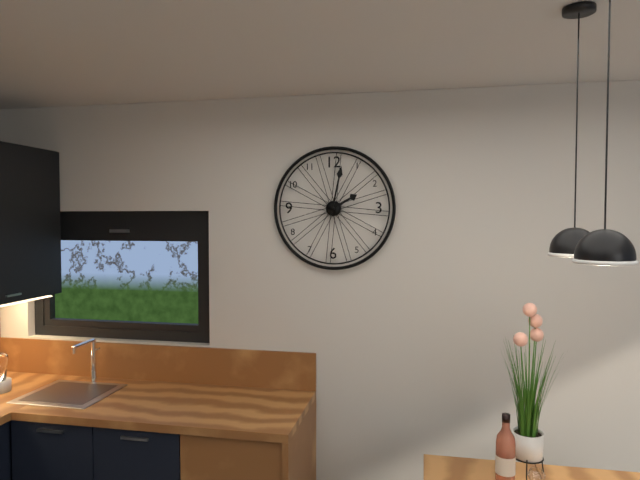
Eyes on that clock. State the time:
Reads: 2:02
